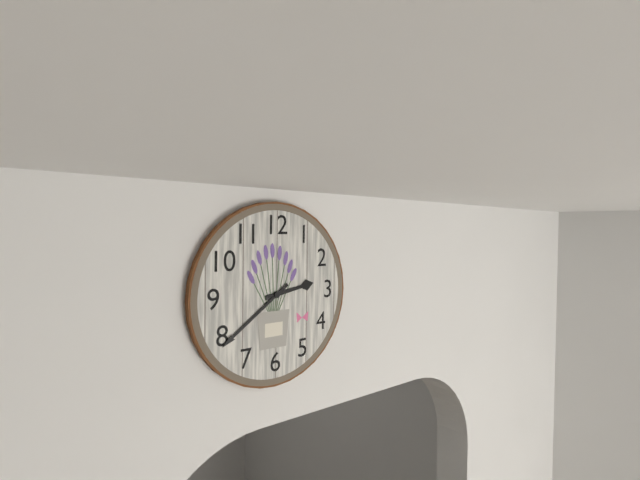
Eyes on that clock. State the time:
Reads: 2:39
